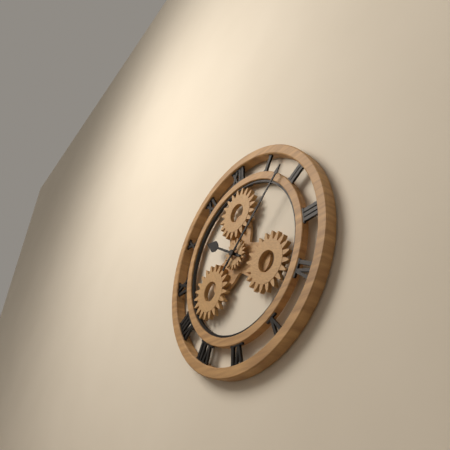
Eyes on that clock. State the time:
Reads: 10:08
